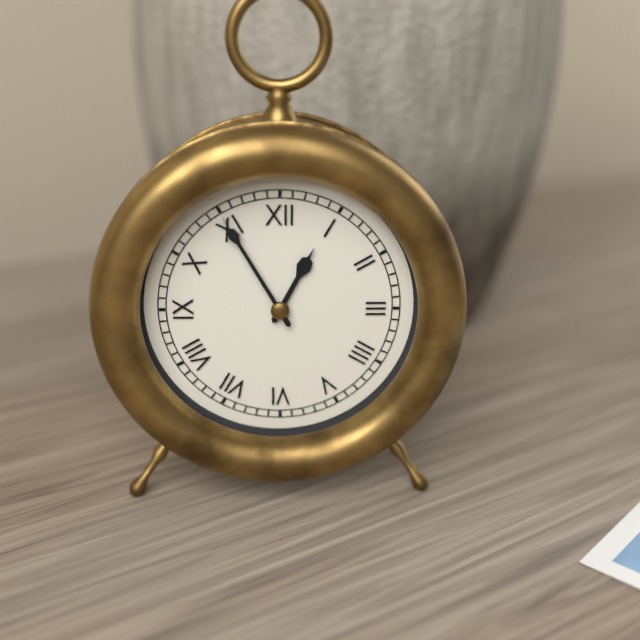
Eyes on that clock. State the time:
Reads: 12:55
